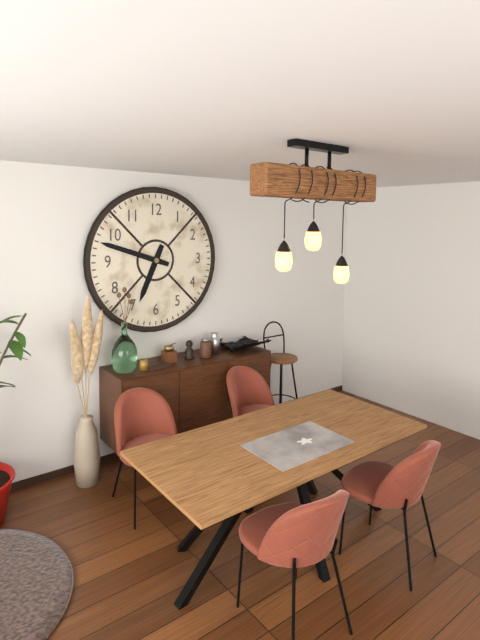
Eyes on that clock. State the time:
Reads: 6:48
